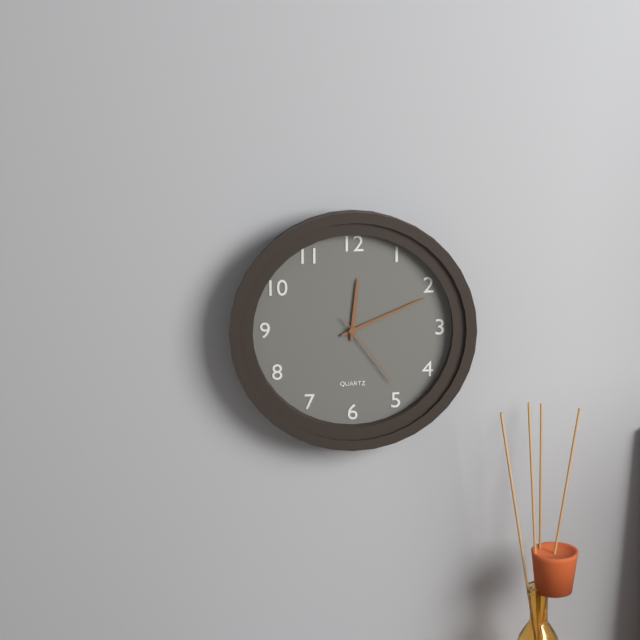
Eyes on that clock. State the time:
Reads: 12:11:24
